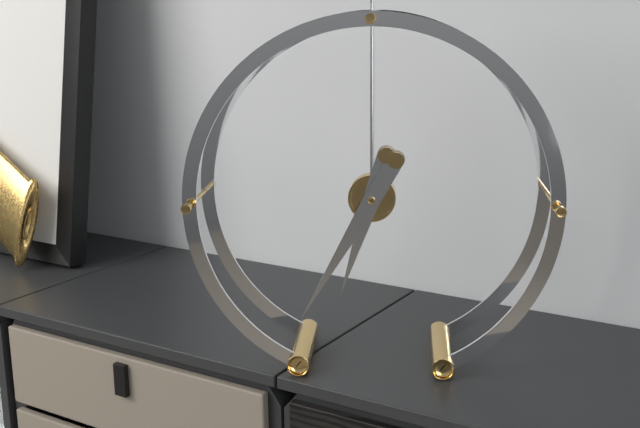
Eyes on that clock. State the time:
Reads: 6:35
